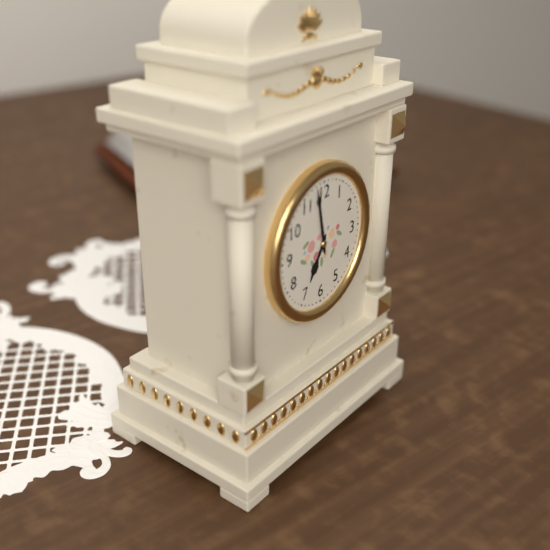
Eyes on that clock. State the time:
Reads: 6:58
